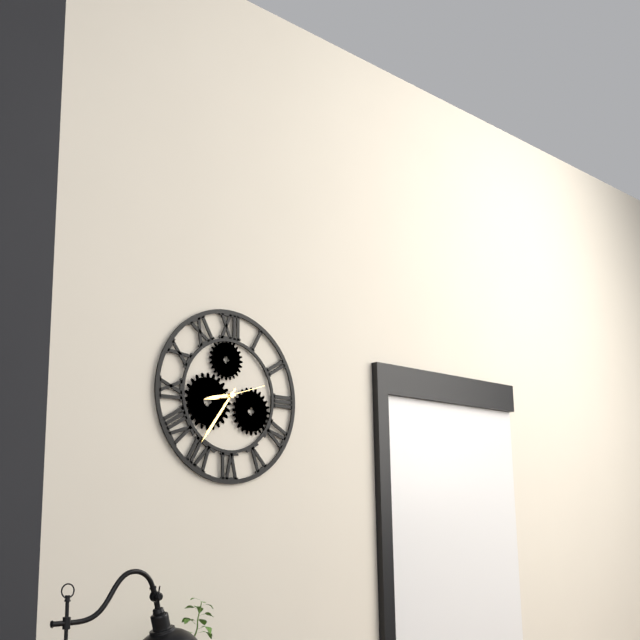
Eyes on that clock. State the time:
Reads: 8:36
